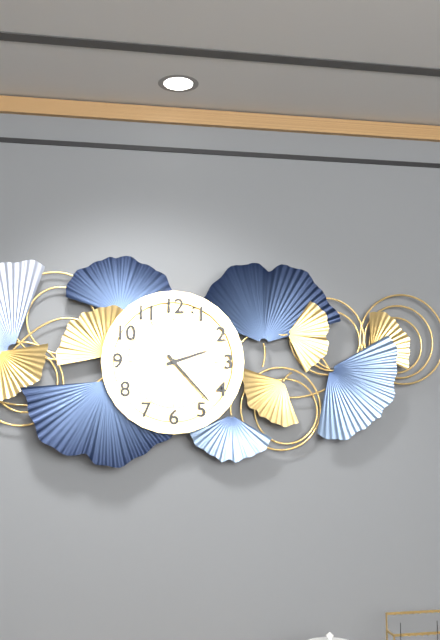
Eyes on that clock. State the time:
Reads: 2:23
